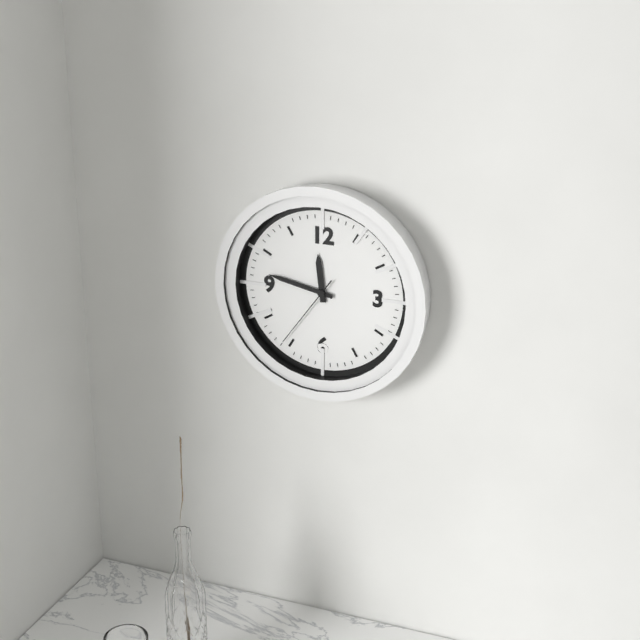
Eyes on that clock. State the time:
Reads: 11:47:36
